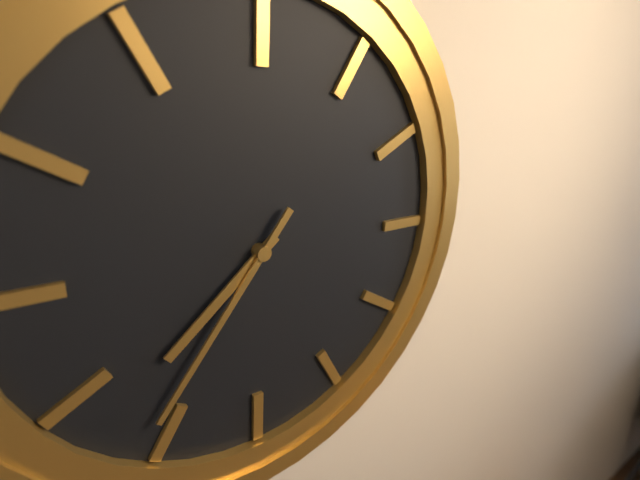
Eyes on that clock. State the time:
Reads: 7:36
